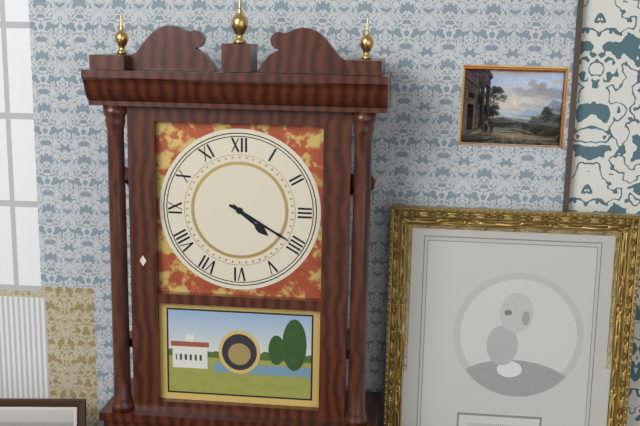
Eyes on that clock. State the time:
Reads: 4:20
